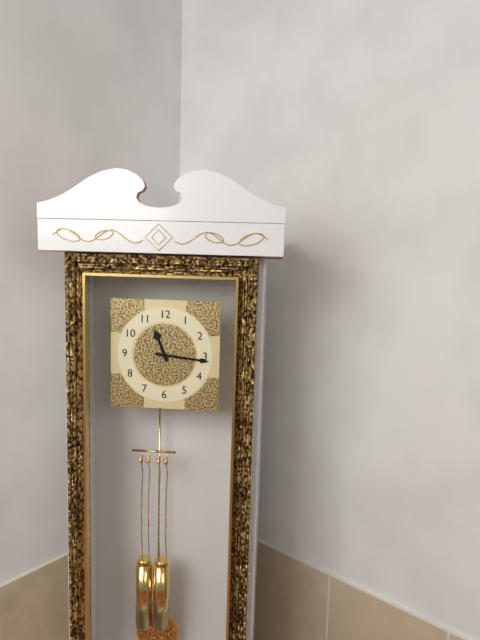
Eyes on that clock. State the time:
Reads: 11:16
